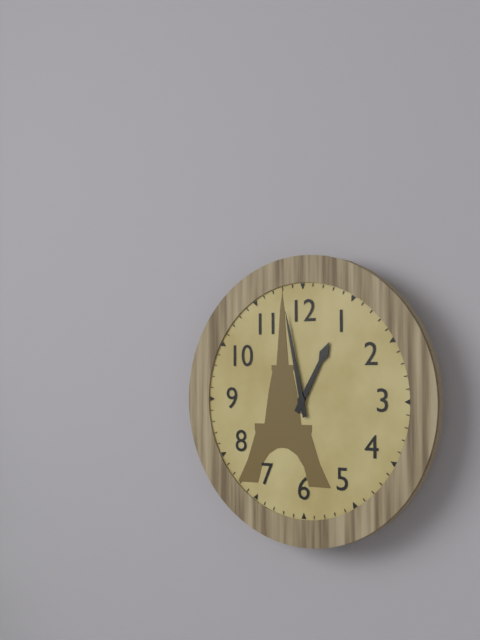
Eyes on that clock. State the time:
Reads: 12:58
